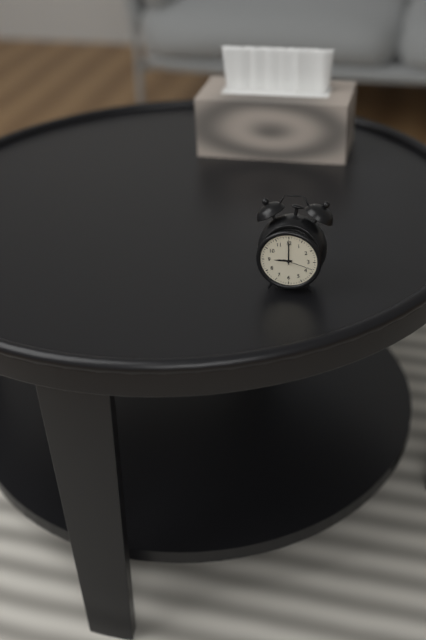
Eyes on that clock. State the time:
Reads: 9:00
